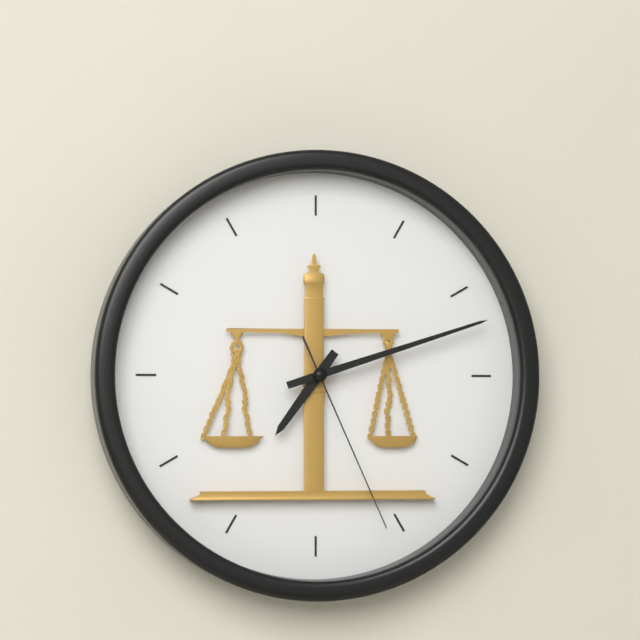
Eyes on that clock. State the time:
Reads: 7:12:26
